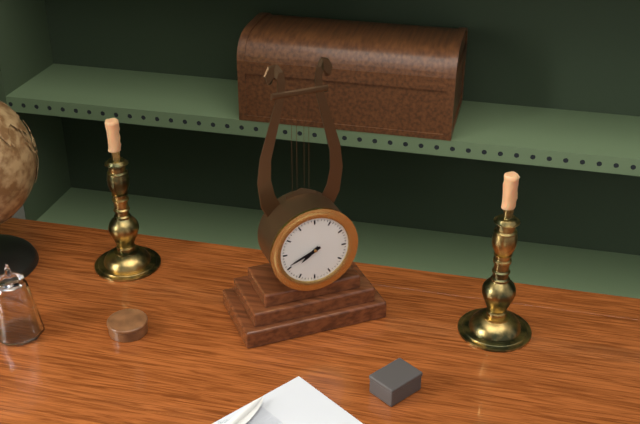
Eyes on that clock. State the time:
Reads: 7:41
